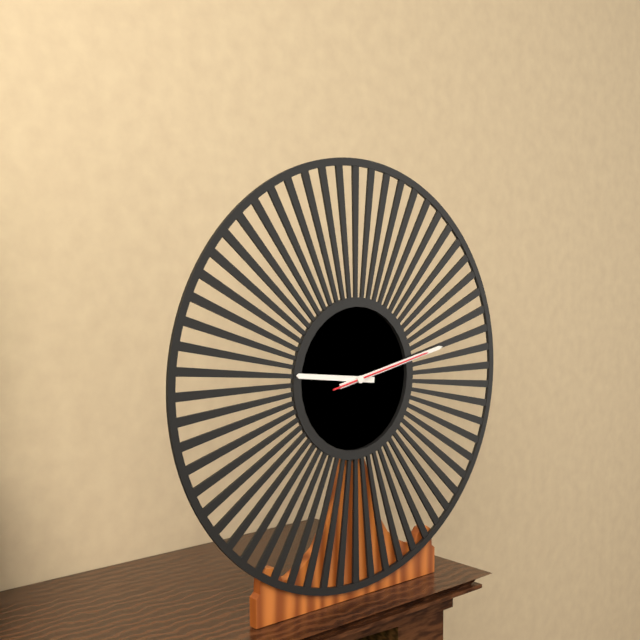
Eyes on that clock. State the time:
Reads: 9:13:13
